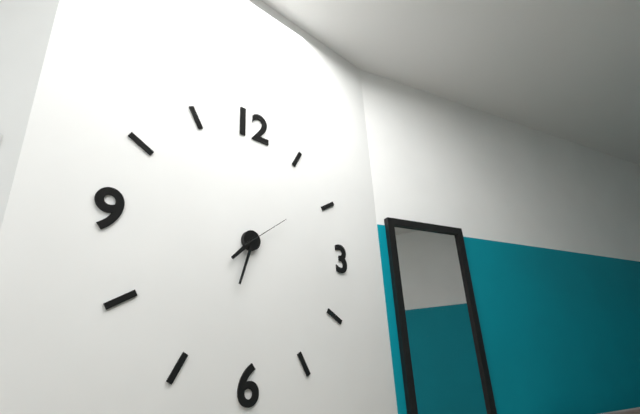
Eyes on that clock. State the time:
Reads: 7:33:09
